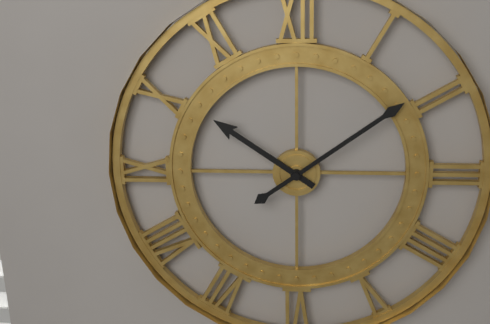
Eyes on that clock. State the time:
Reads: 10:09
